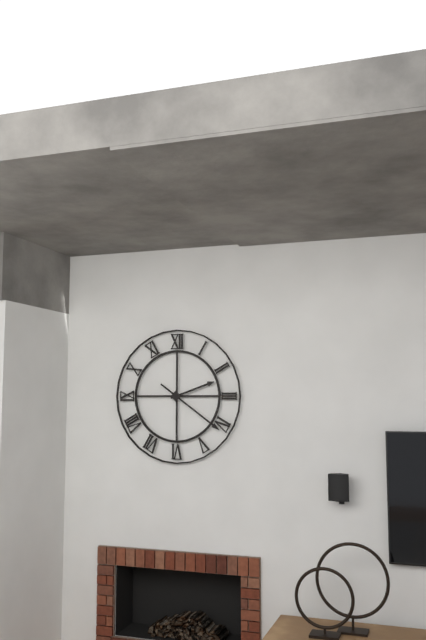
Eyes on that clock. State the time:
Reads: 2:21
